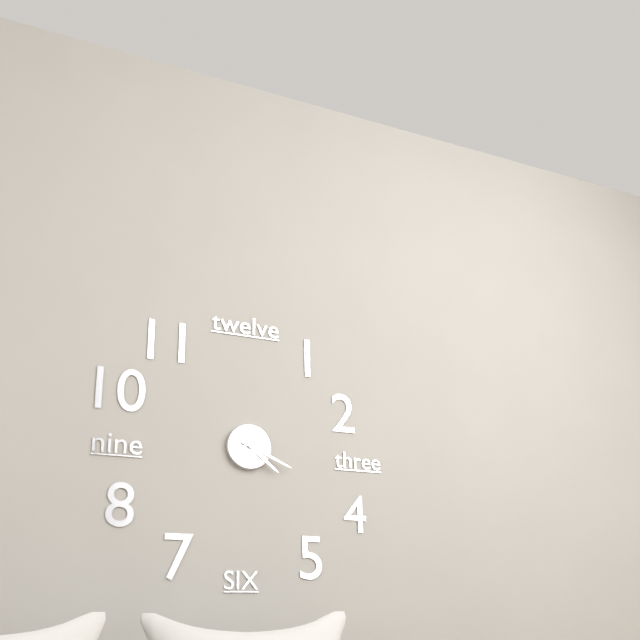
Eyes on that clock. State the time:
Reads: 4:19
